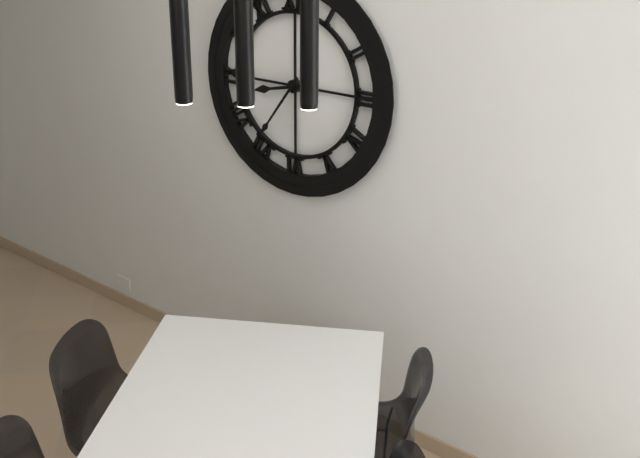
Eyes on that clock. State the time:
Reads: 8:36
